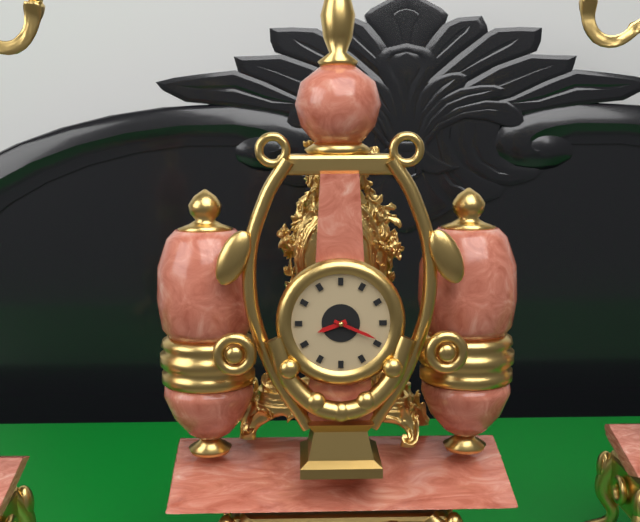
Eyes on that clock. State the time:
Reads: 8:19
